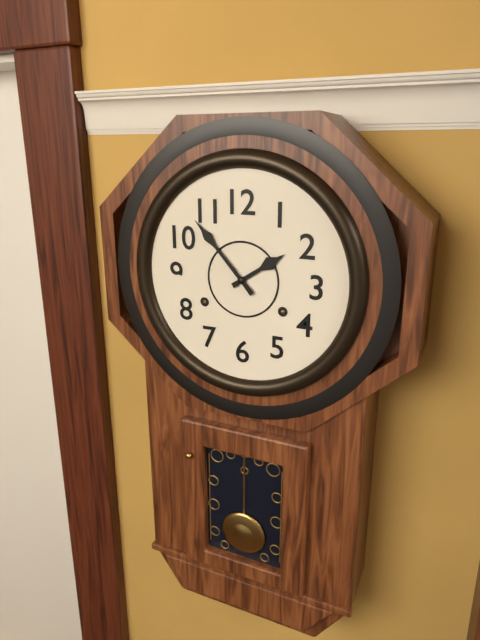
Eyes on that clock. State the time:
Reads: 1:53
